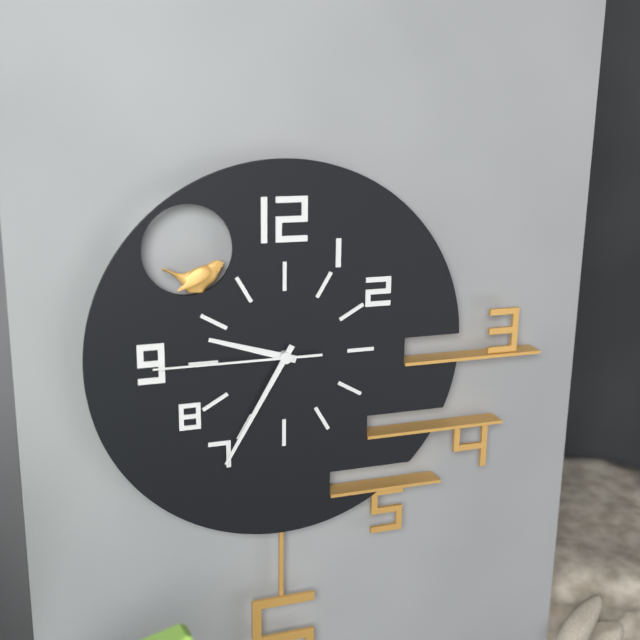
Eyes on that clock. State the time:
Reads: 9:35:45
